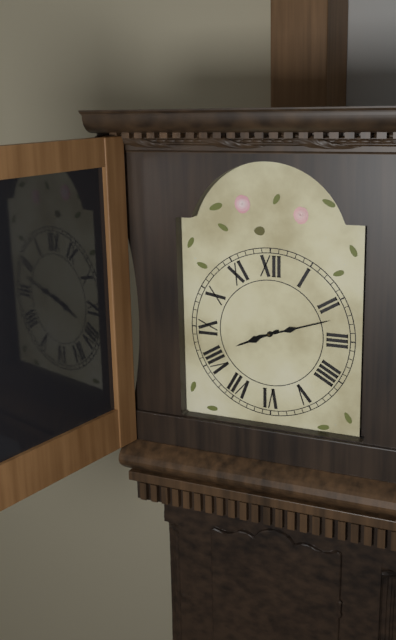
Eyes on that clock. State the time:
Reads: 8:12
